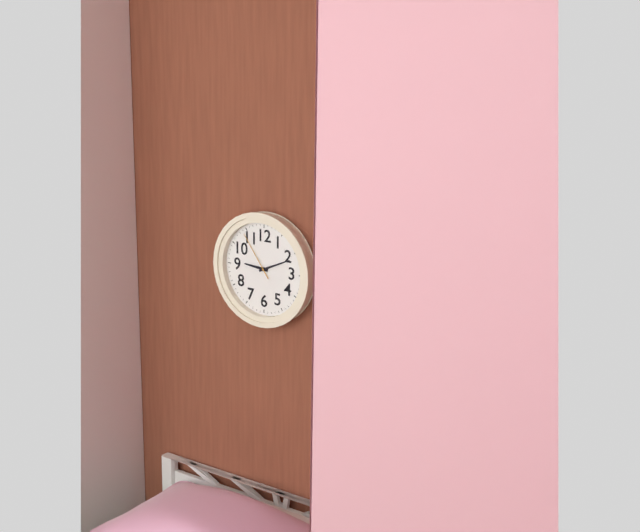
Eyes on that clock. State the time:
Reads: 9:11:54
